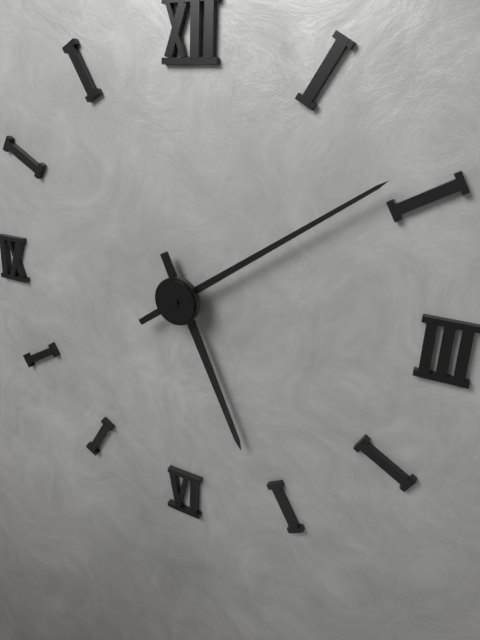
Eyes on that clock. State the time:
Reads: 5:09
